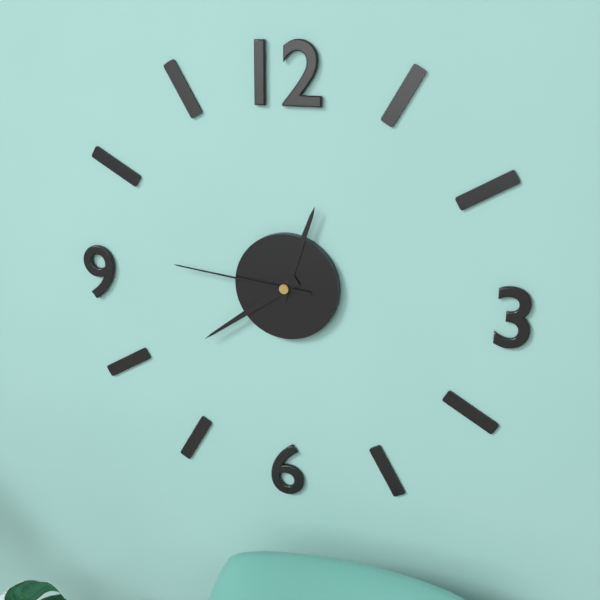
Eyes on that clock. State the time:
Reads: 12:39:46
